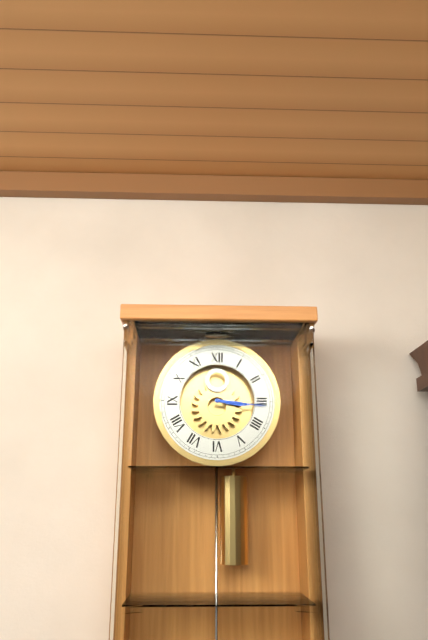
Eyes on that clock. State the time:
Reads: 3:16
